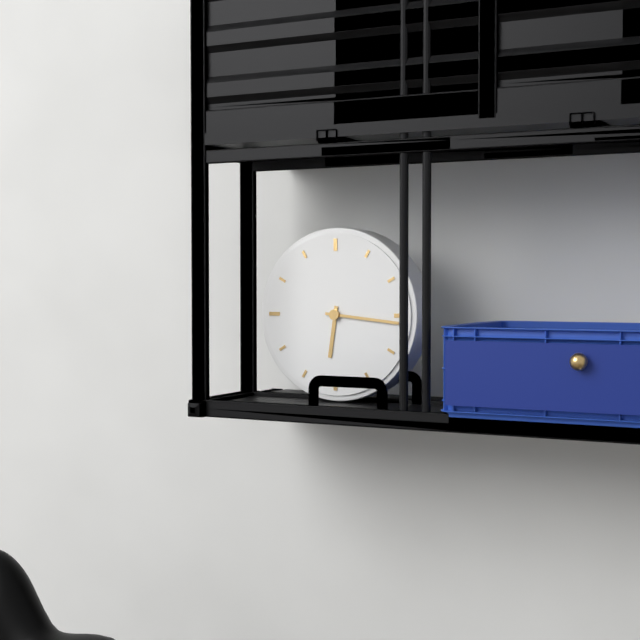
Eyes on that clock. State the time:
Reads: 6:16
